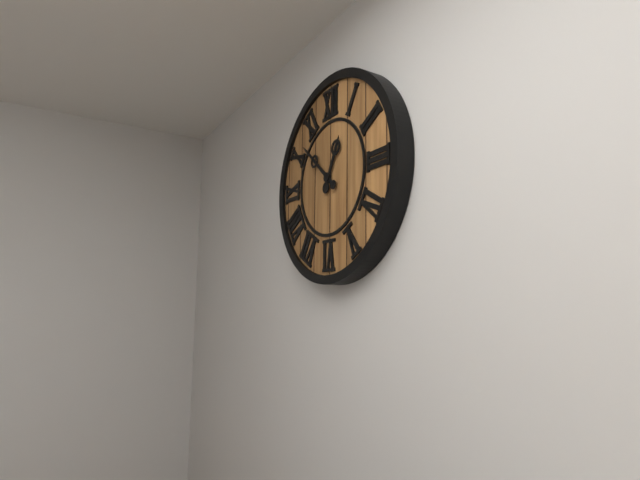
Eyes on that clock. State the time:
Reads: 12:52
